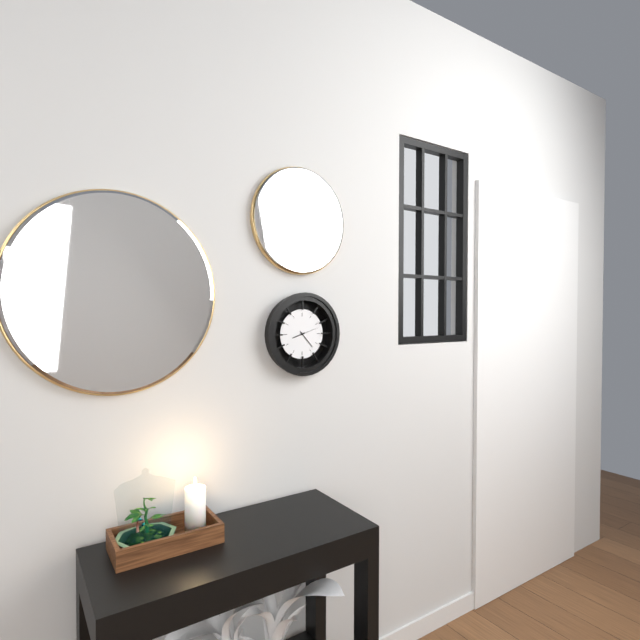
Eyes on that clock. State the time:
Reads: 8:23
